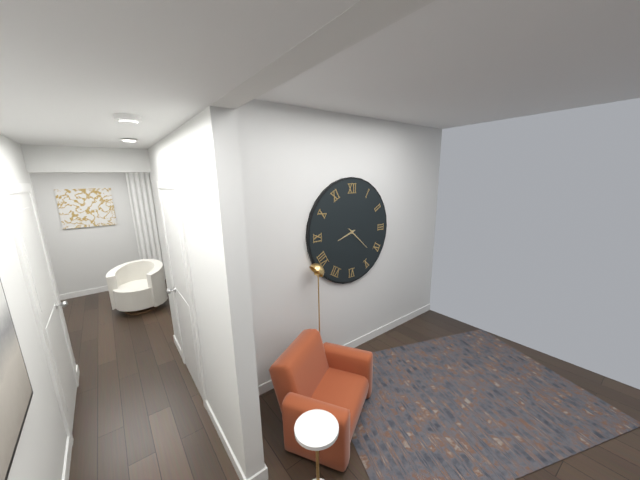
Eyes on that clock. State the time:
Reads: 8:22
